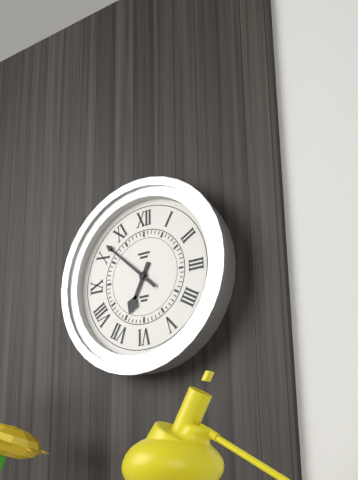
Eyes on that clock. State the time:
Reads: 6:52
